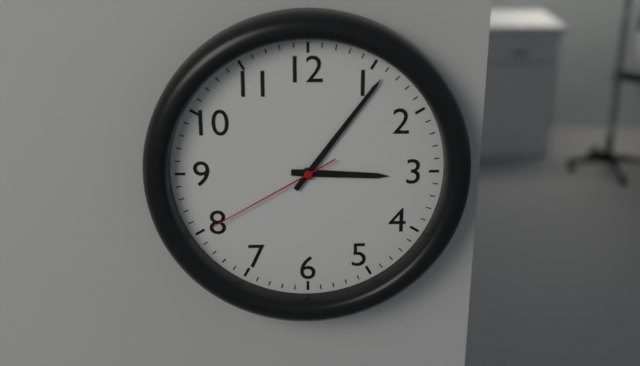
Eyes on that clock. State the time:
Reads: 3:06:40
